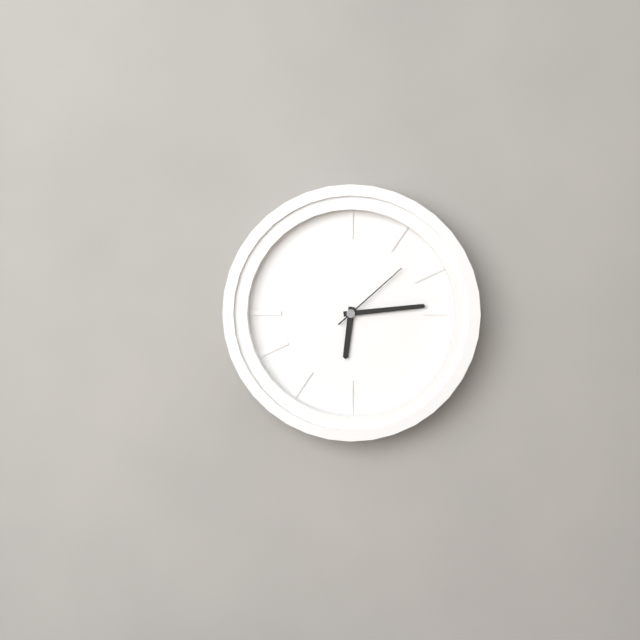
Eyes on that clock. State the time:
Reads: 6:14:08
